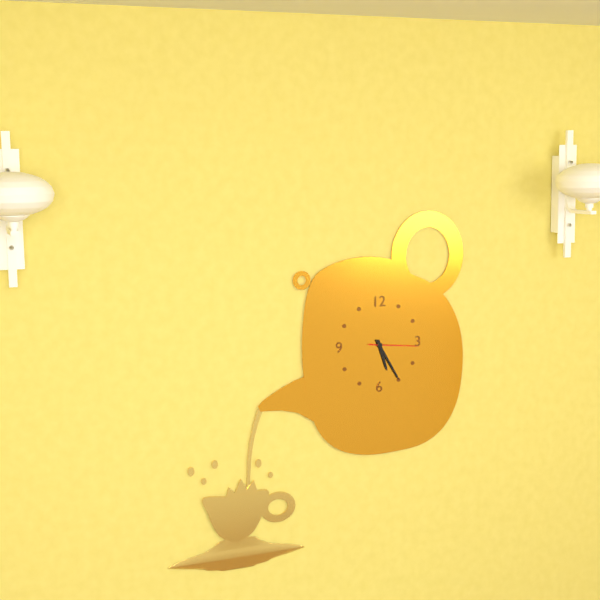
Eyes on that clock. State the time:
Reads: 5:25:16
